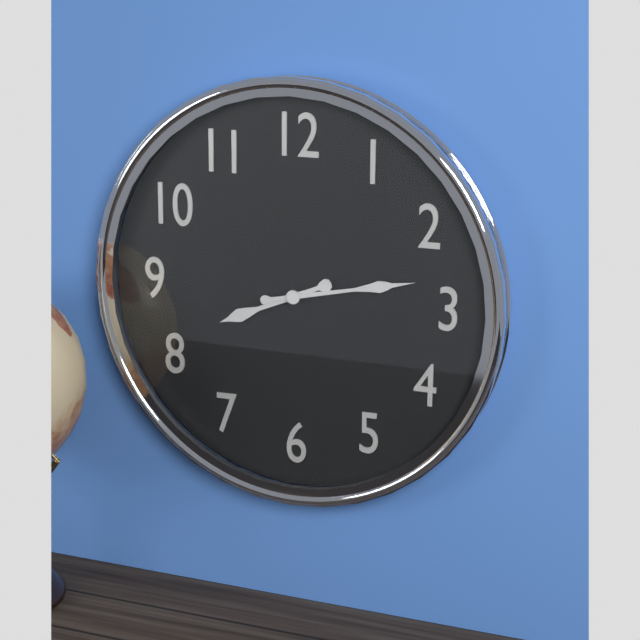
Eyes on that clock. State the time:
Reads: 8:13
